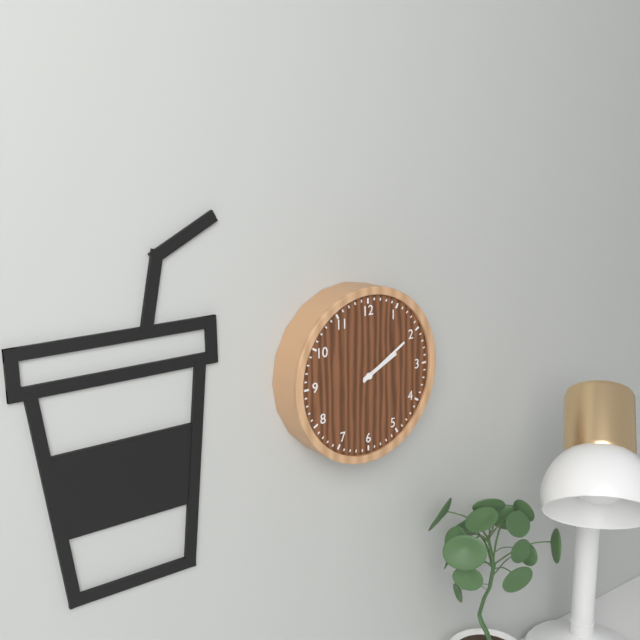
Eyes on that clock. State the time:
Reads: 2:10
